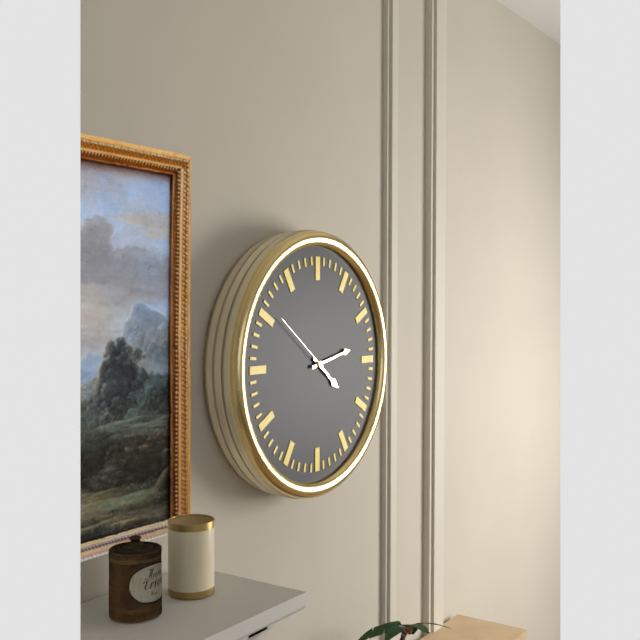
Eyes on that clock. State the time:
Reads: 4:13:51
